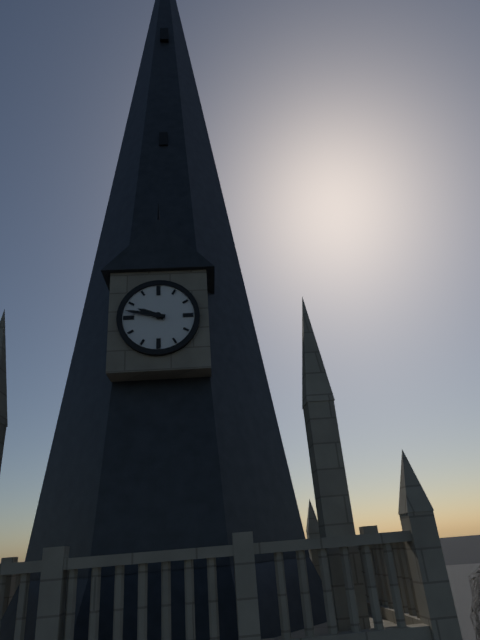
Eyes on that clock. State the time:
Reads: 9:47
